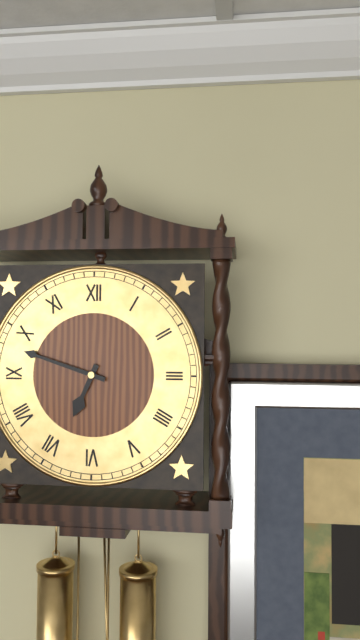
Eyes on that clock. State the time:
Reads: 6:48
